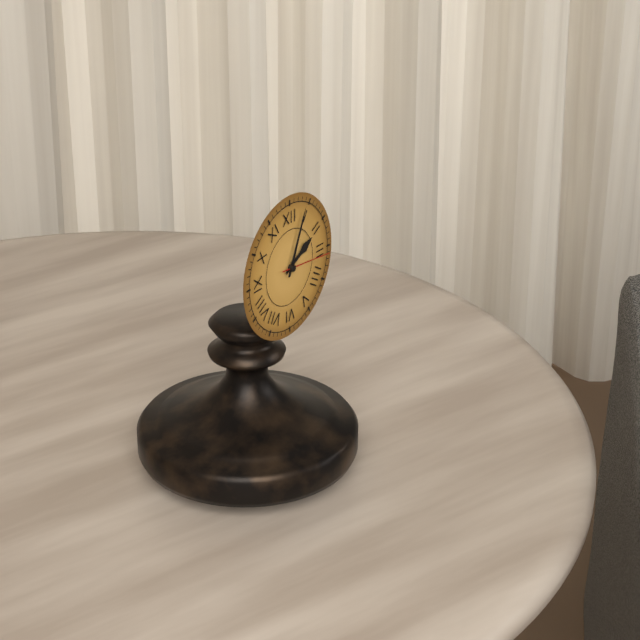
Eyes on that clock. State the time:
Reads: 2:04:16
